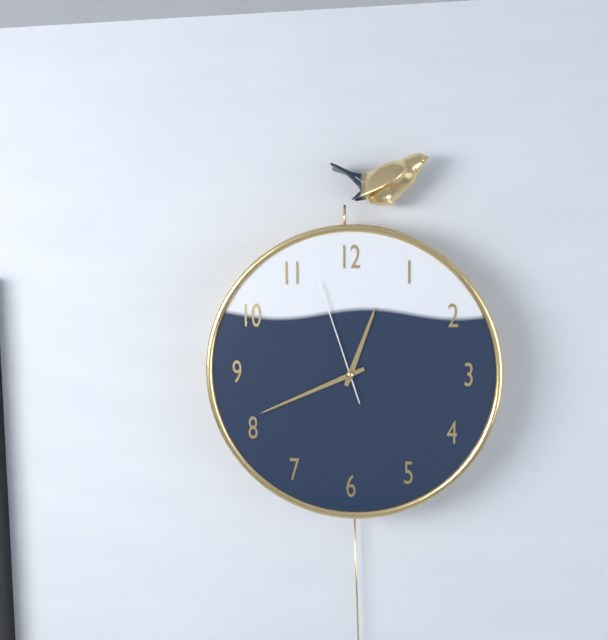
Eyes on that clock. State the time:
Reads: 12:41:57
